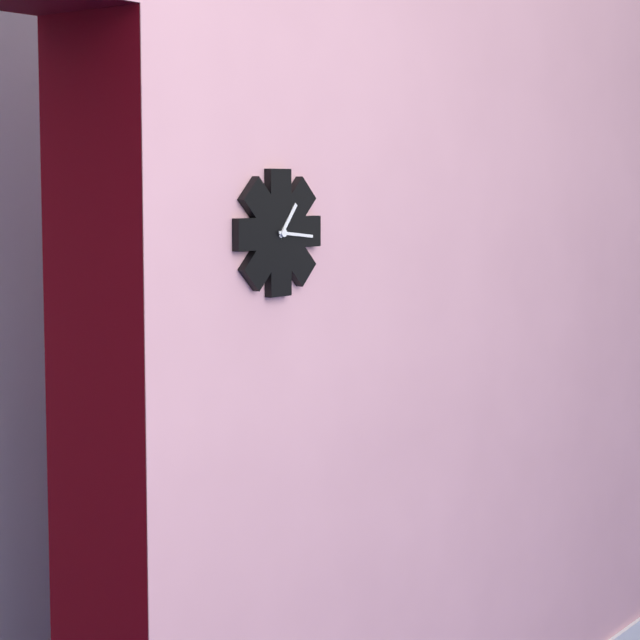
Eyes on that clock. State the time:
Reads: 1:16
